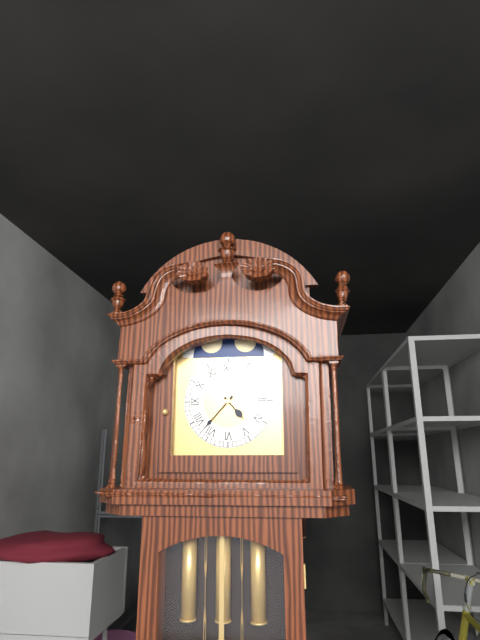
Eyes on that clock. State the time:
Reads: 4:37
